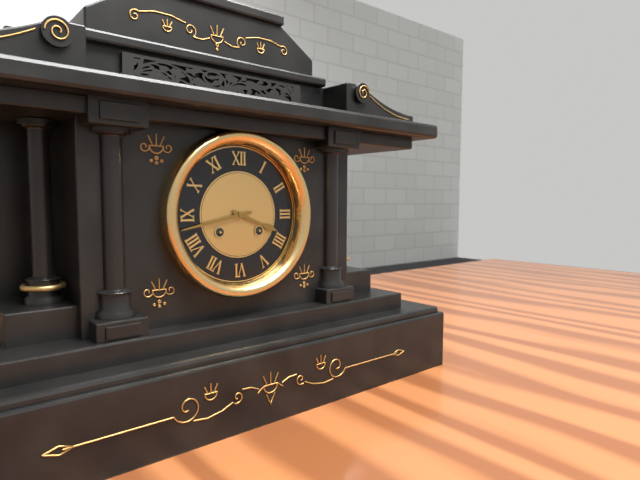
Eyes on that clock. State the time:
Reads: 3:43
